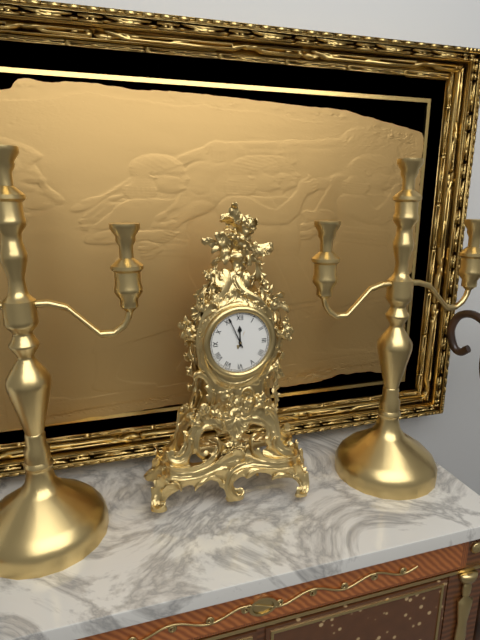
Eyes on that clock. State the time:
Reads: 11:56
